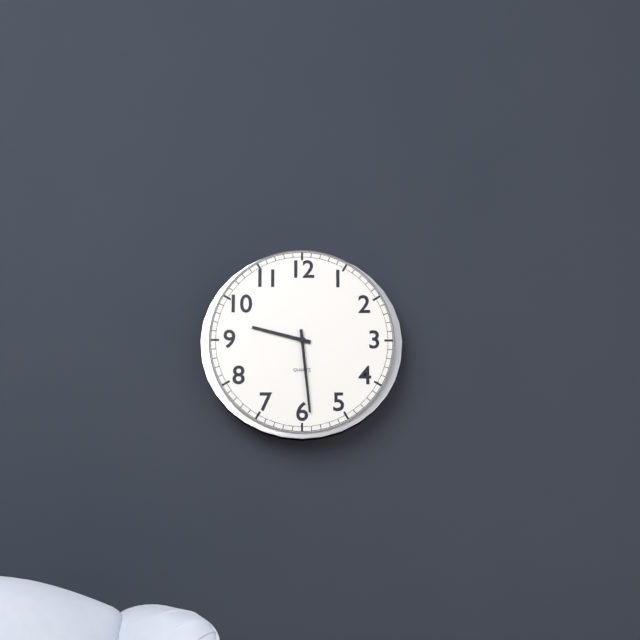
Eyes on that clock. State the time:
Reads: 9:29
